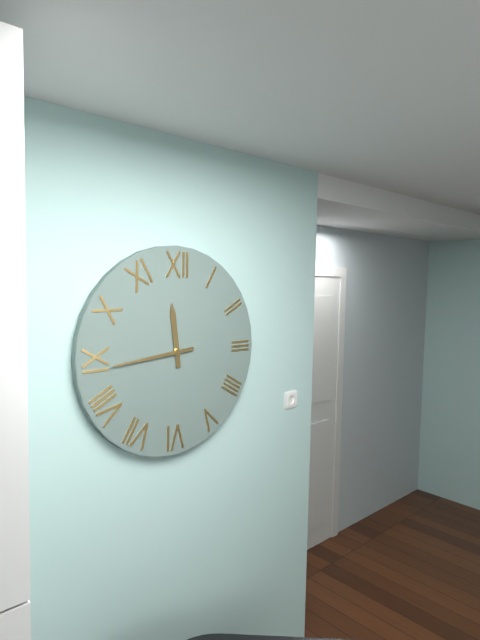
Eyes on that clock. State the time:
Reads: 11:44
